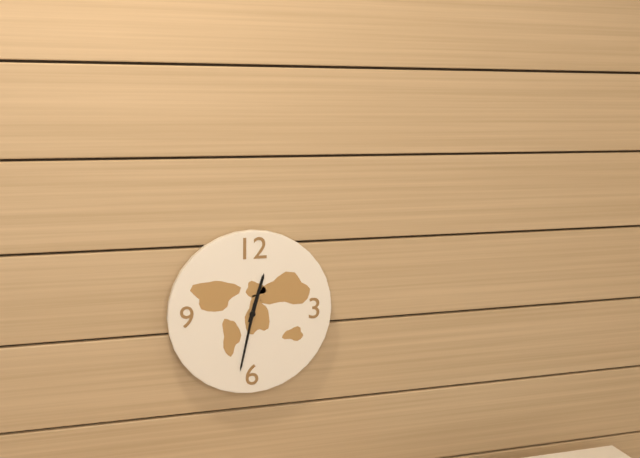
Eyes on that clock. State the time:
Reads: 12:32
